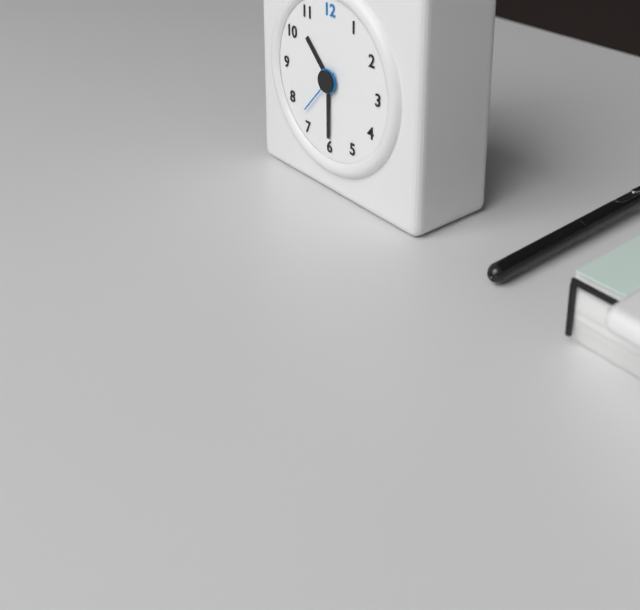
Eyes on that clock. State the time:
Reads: 10:30
